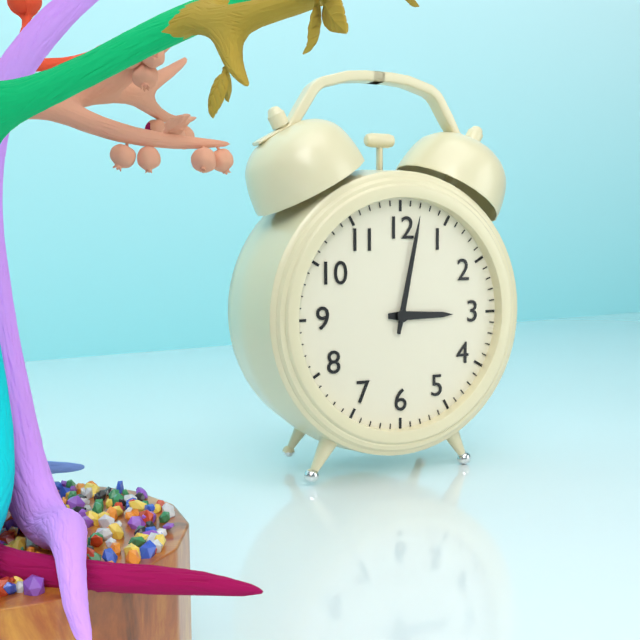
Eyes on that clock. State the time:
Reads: 3:02
